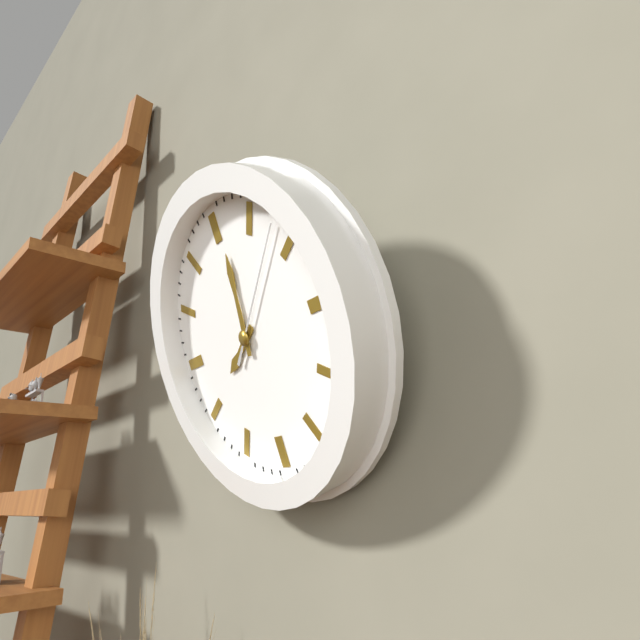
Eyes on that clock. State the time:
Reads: 8:01:08
